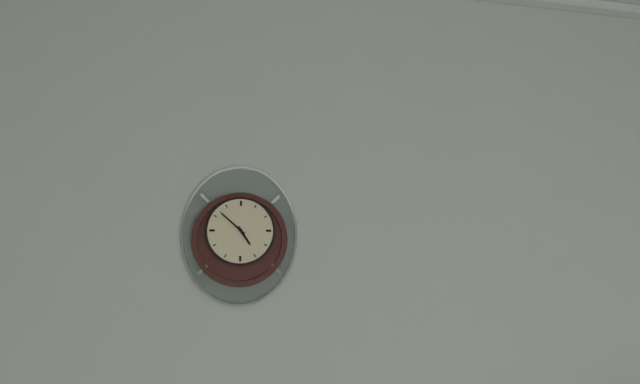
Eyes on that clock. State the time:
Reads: 4:52
